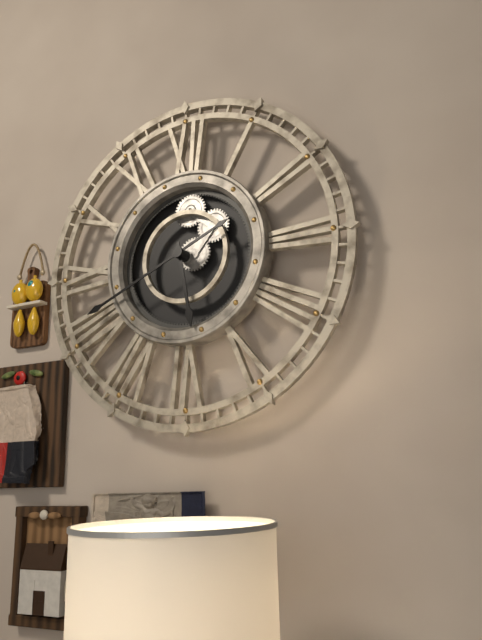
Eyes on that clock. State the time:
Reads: 5:41
